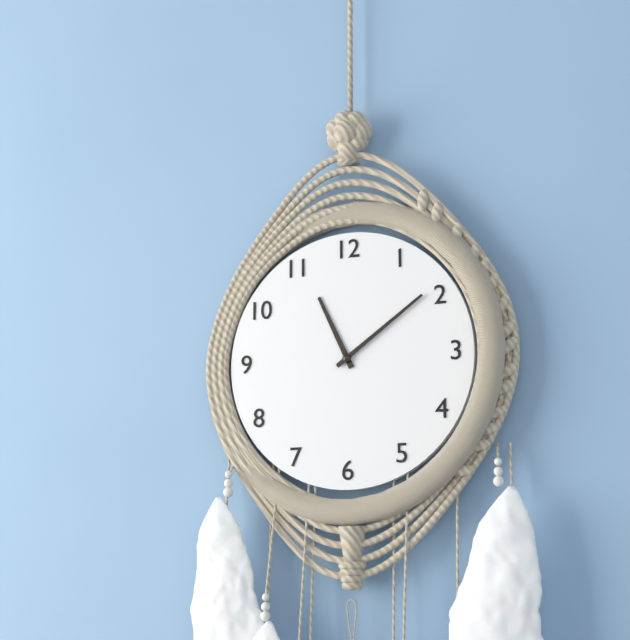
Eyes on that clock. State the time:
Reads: 11:09
